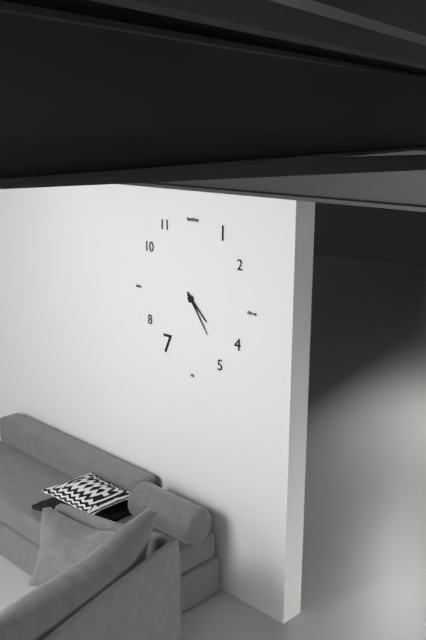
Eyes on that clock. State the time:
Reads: 4:24
